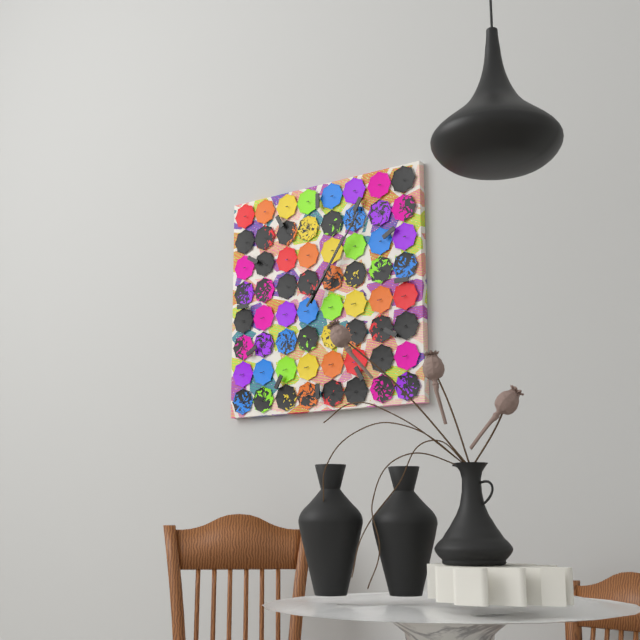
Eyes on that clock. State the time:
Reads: 1:06
